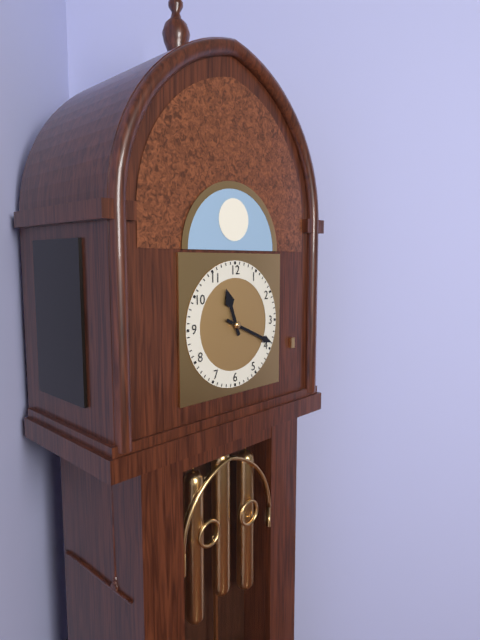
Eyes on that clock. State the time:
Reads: 11:19
